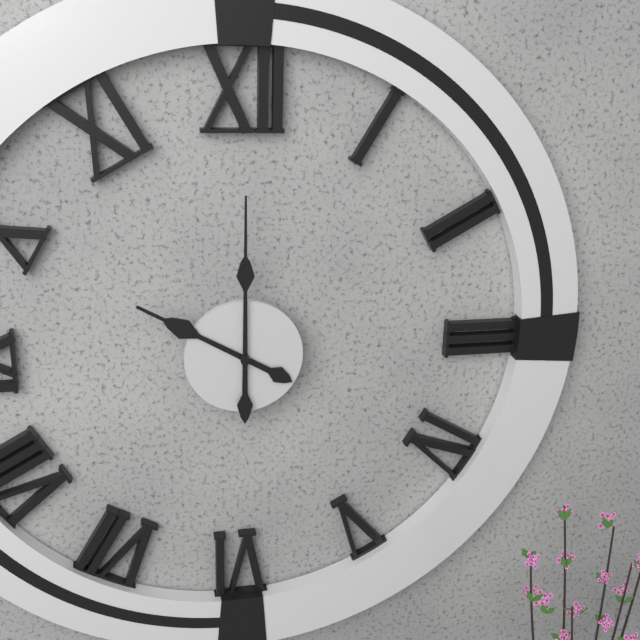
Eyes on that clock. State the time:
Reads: 10:00
